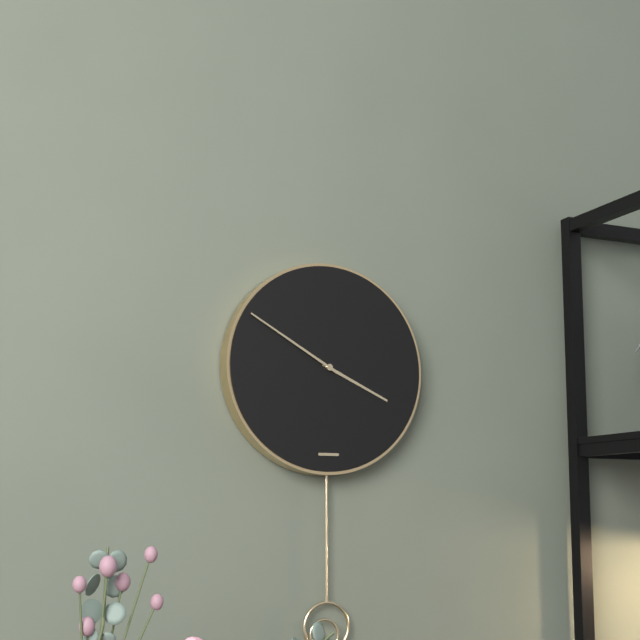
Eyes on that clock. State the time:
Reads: 3:50
